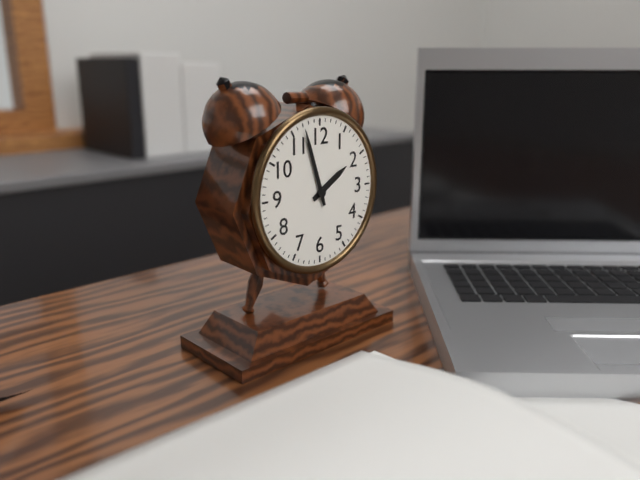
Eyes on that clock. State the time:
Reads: 1:57
